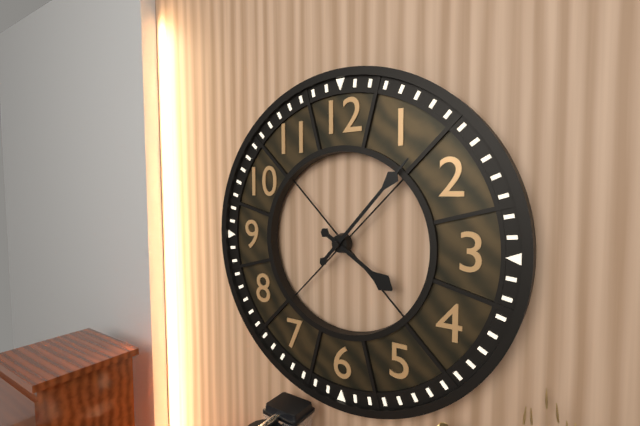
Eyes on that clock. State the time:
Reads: 4:07
